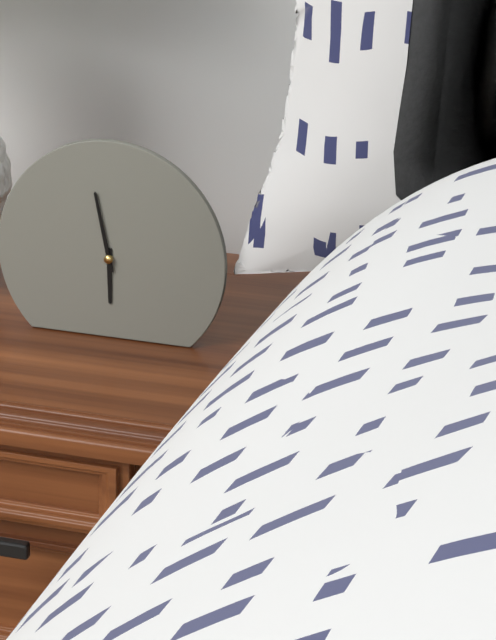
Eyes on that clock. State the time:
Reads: 5:58
